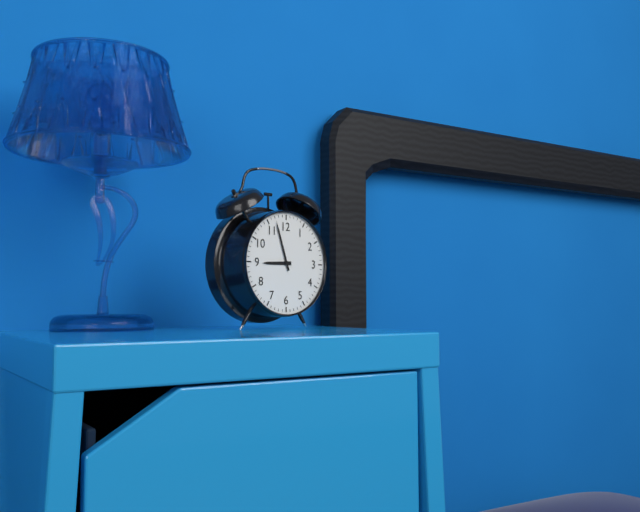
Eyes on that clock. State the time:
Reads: 8:57
